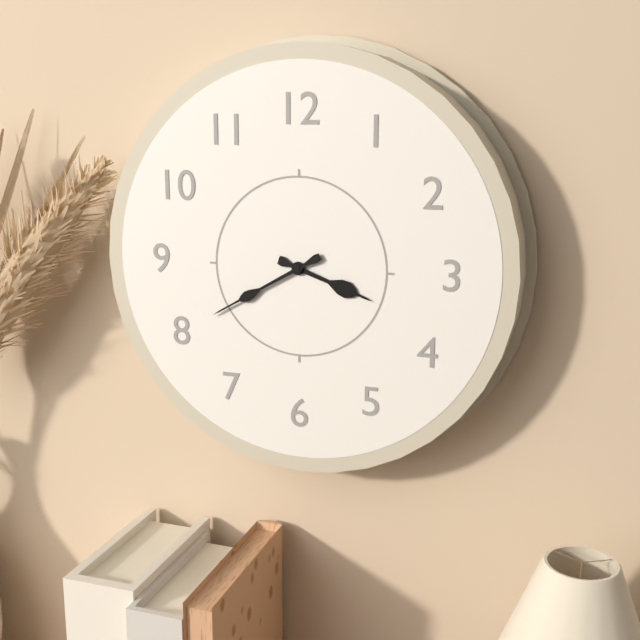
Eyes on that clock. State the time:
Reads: 3:40
